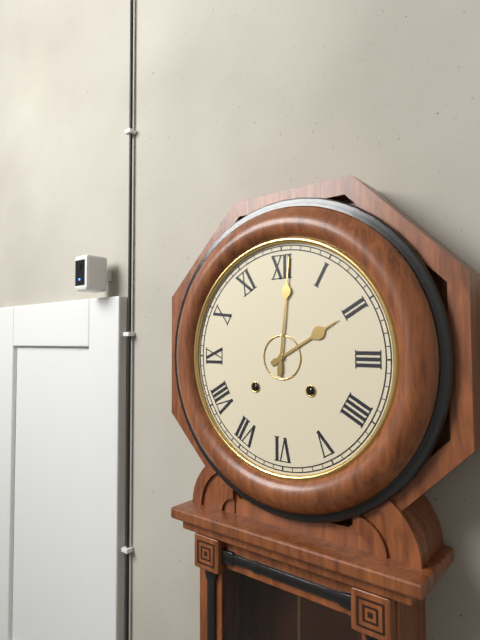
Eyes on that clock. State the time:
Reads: 2:01
